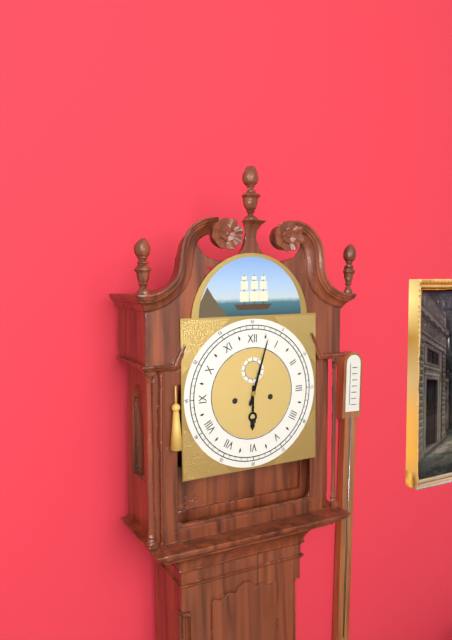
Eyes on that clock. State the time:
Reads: 6:03
